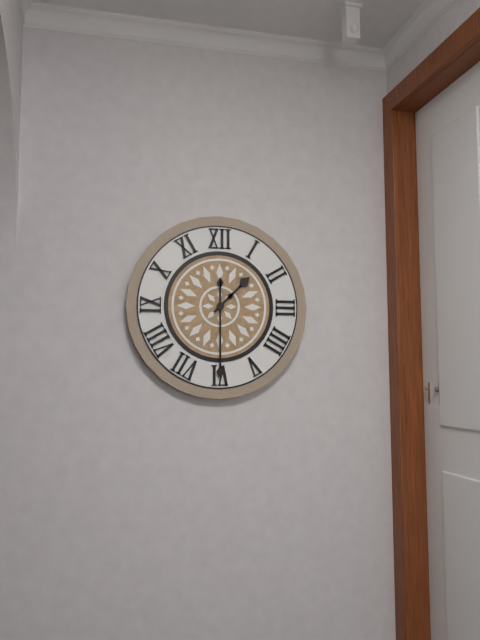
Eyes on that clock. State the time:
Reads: 1:30
